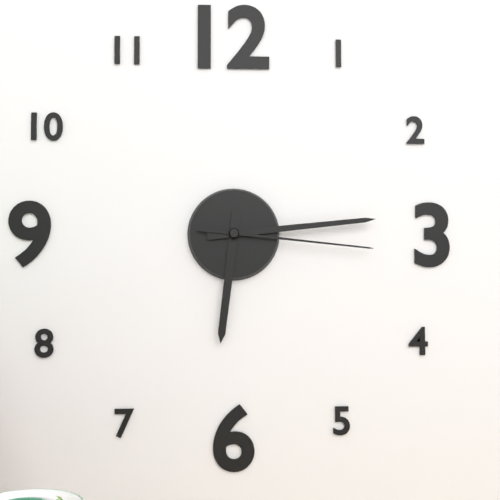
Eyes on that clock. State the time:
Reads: 6:14:16
